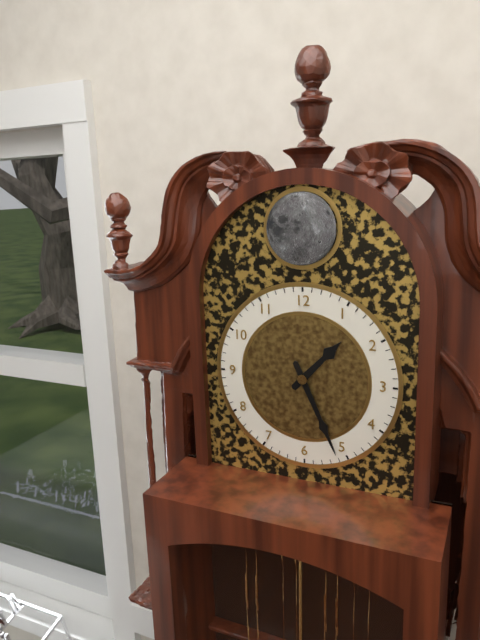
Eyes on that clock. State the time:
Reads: 1:26
